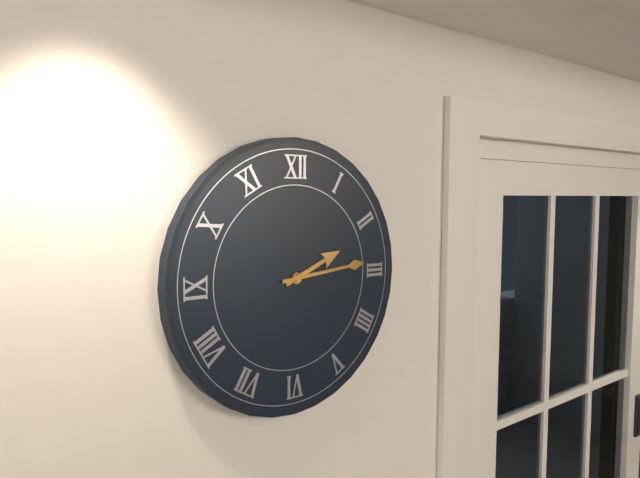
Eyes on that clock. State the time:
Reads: 2:14
